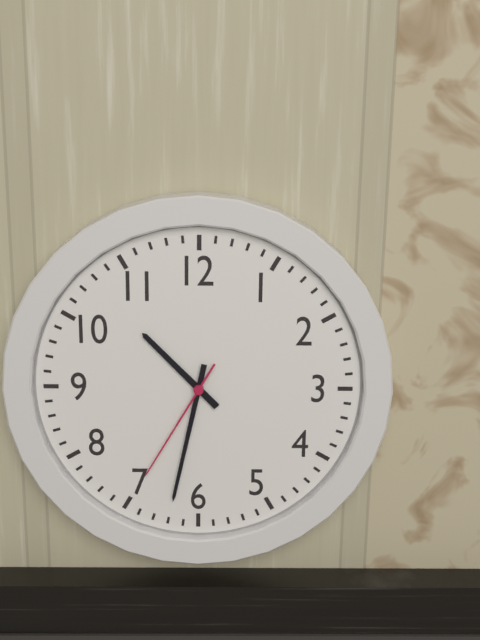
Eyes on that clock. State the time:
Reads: 10:32:35
